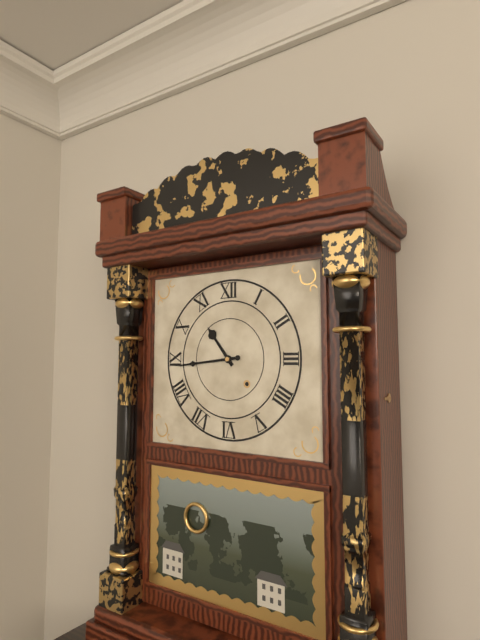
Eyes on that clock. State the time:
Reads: 10:44
